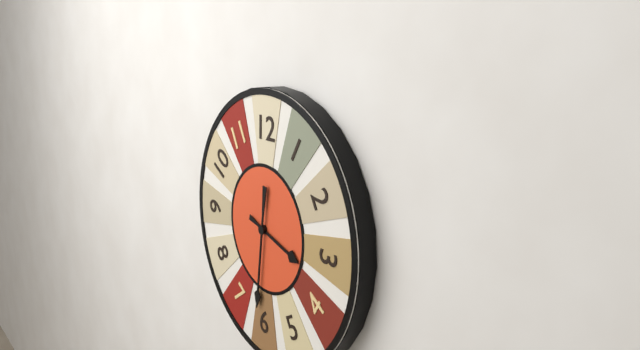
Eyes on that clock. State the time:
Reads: 3:31
